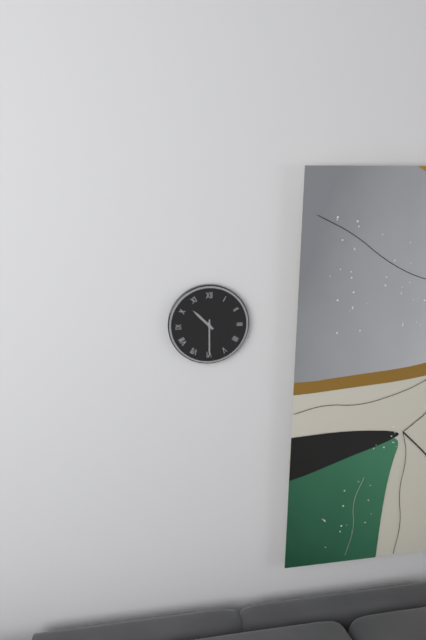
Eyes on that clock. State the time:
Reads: 10:30
